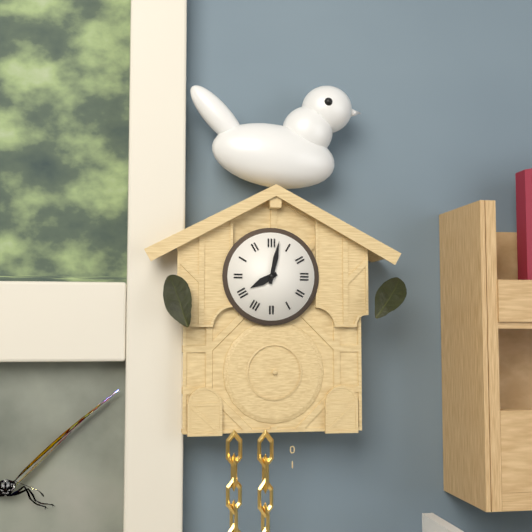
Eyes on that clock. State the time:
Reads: 8:02
